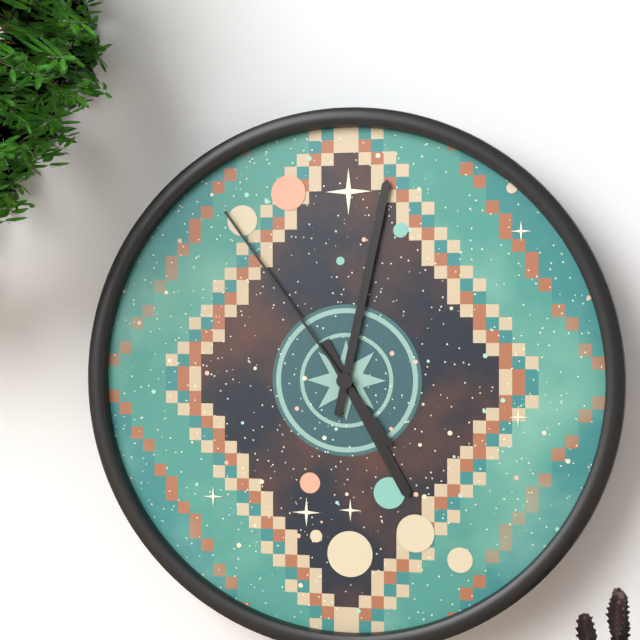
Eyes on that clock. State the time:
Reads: 5:02:54
